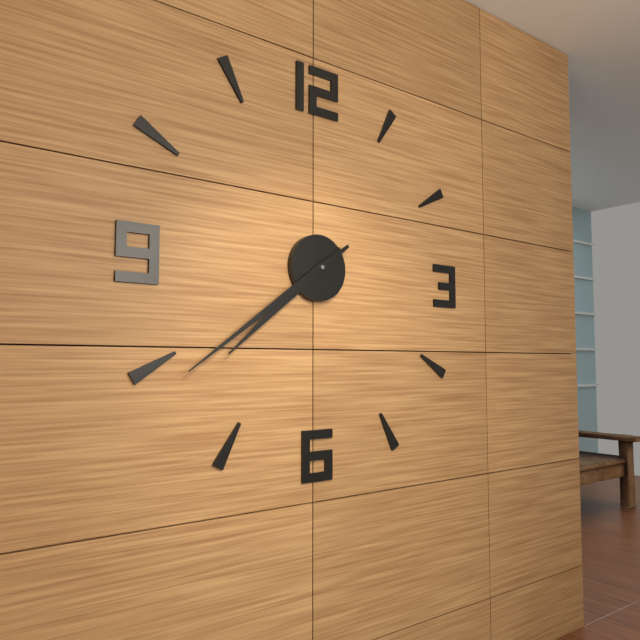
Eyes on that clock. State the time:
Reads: 7:39
